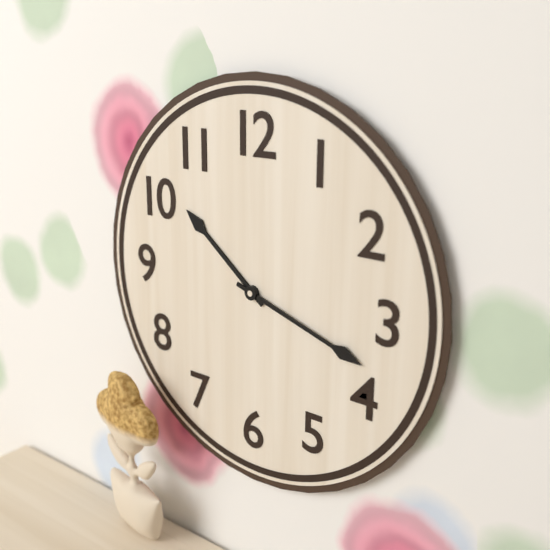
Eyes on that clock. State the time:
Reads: 10:18
